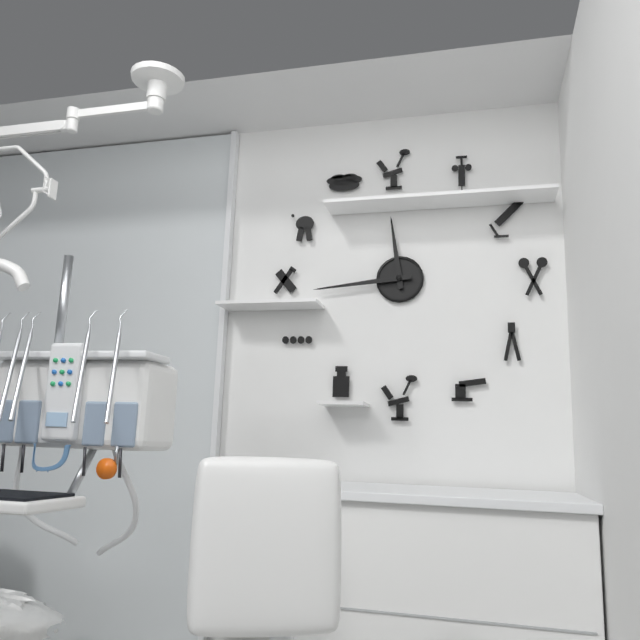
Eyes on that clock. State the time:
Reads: 11:44
